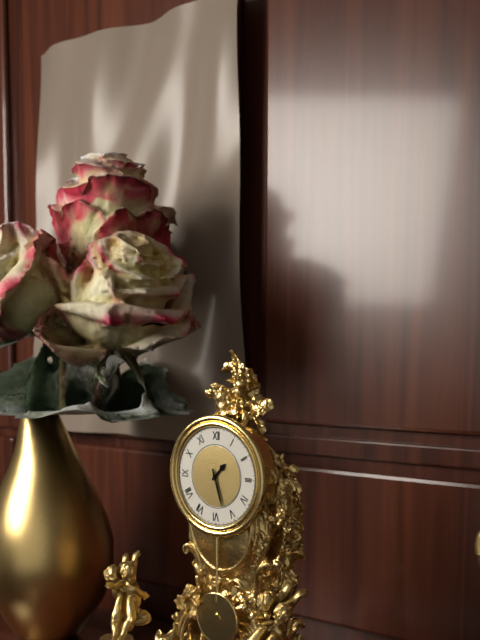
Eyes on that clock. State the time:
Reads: 1:27
